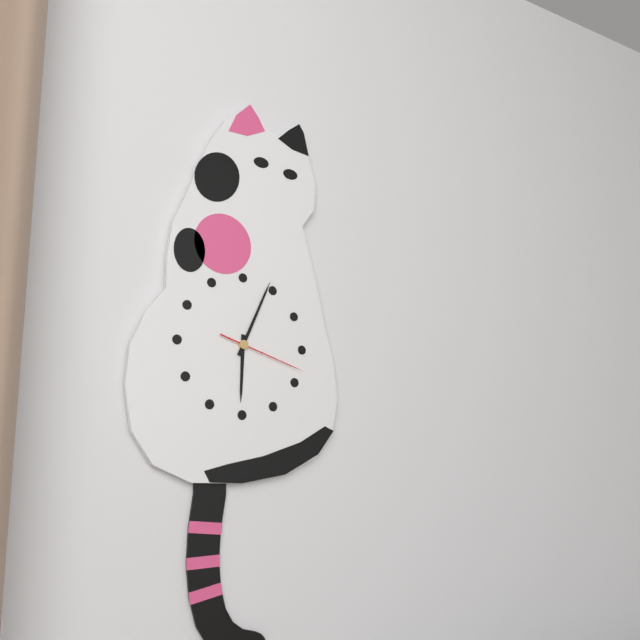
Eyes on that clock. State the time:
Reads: 6:04:18
